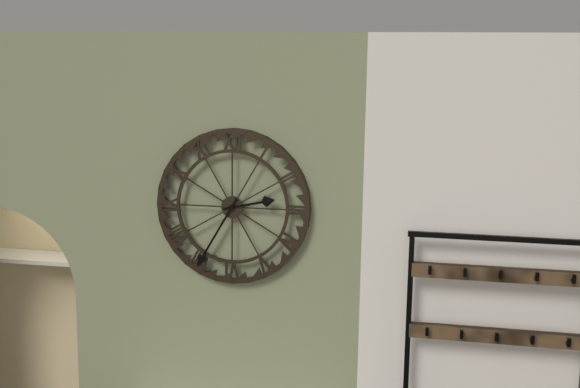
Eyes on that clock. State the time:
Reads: 2:35
